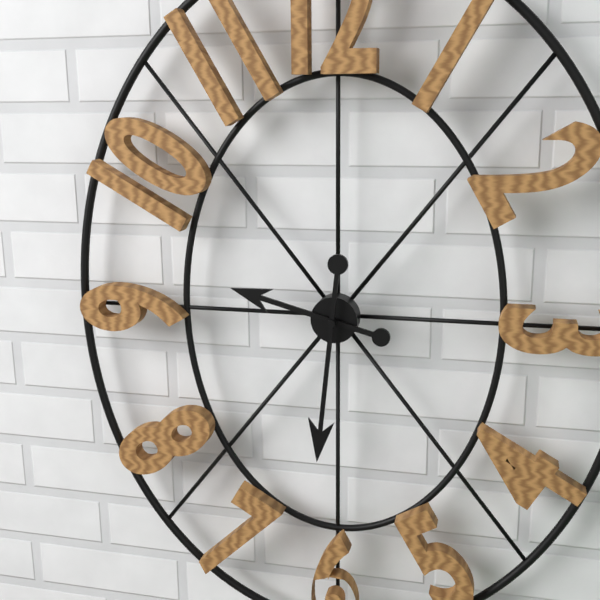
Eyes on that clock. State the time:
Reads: 9:31
